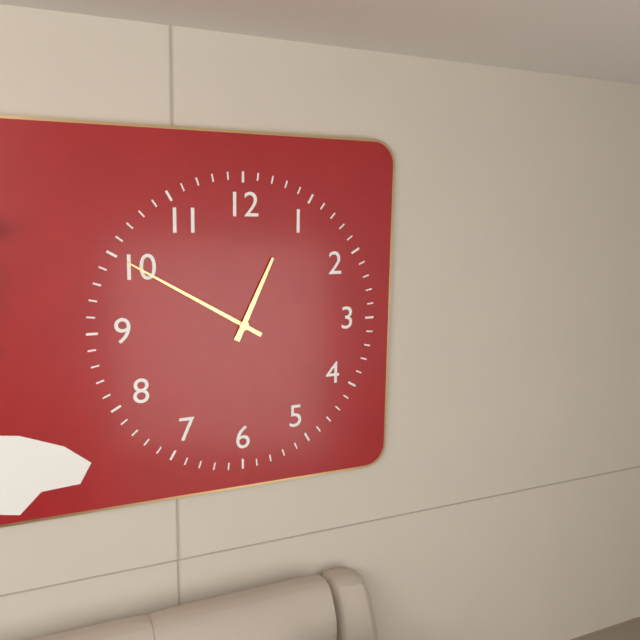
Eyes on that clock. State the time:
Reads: 12:50
